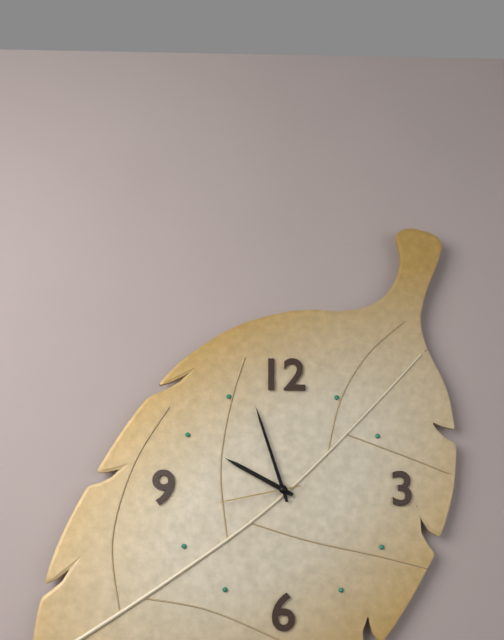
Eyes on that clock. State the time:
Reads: 9:57:43
